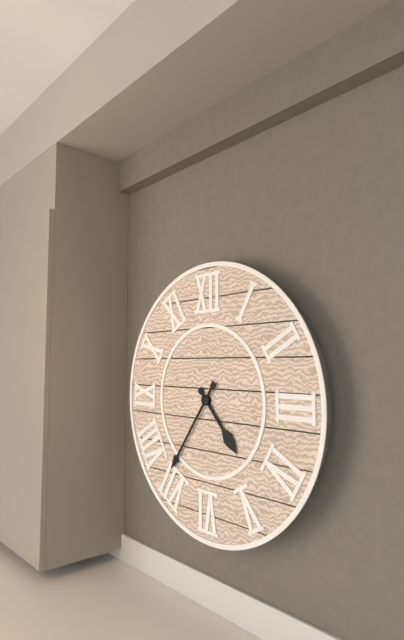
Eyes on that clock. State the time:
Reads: 4:36
